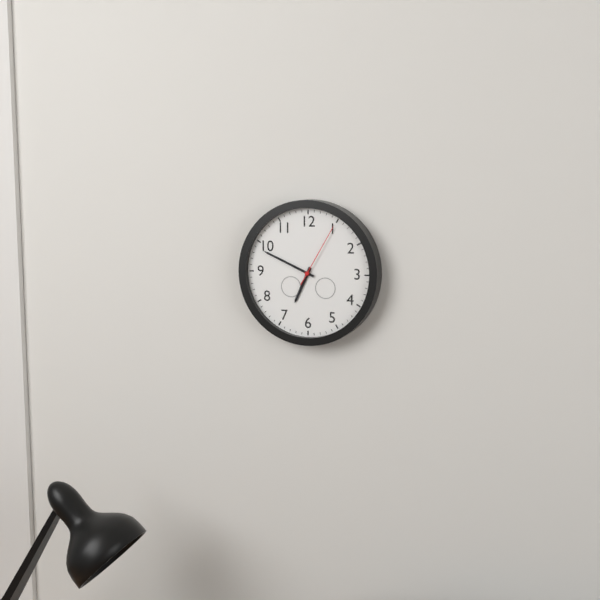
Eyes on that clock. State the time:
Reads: 6:49:05
